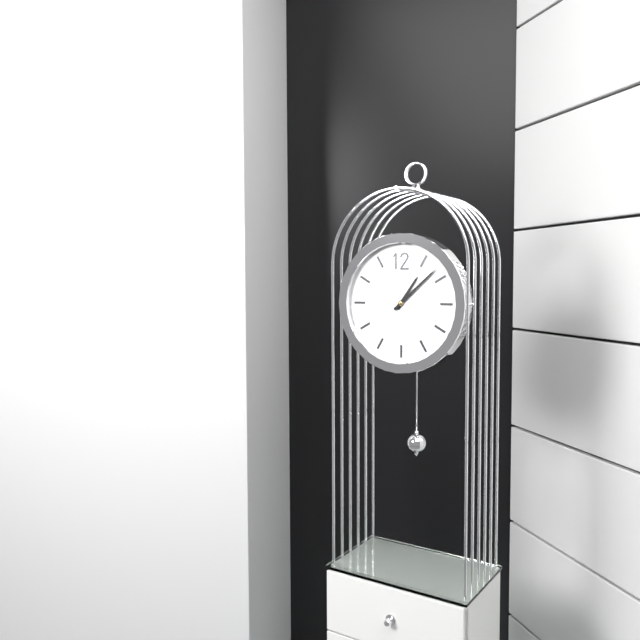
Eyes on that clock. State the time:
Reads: 1:08
